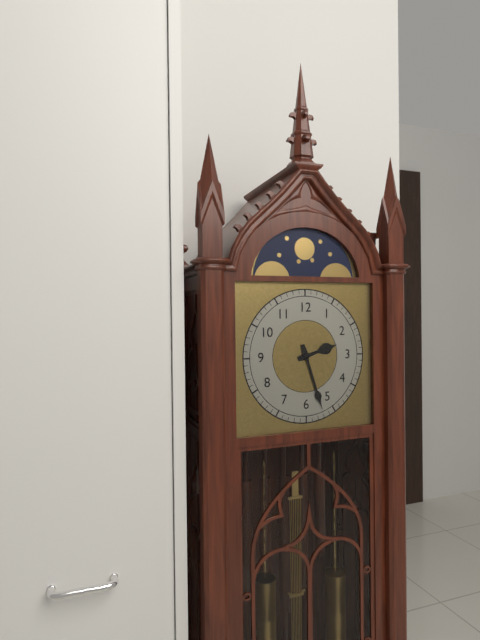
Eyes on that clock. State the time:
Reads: 2:27
